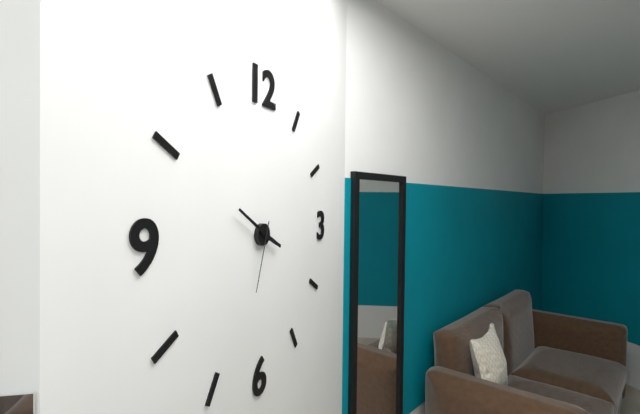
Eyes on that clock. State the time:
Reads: 3:50:33
